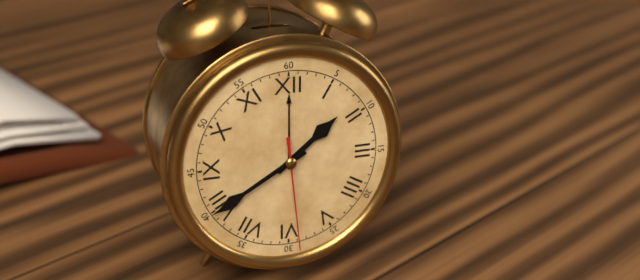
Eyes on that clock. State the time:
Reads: 1:40:29
